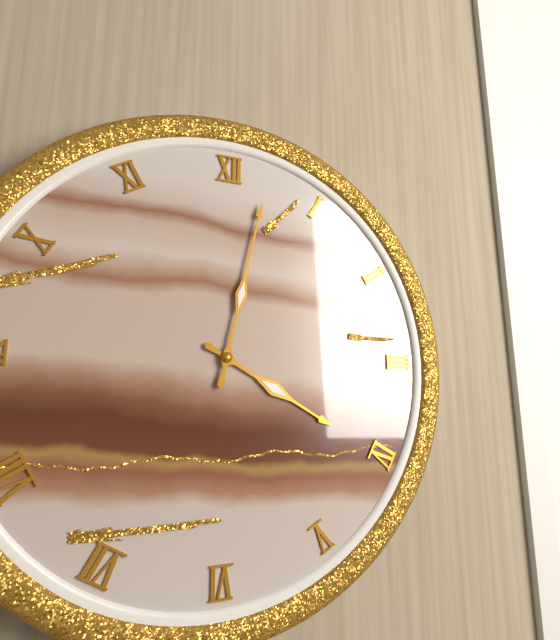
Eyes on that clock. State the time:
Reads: 4:02
